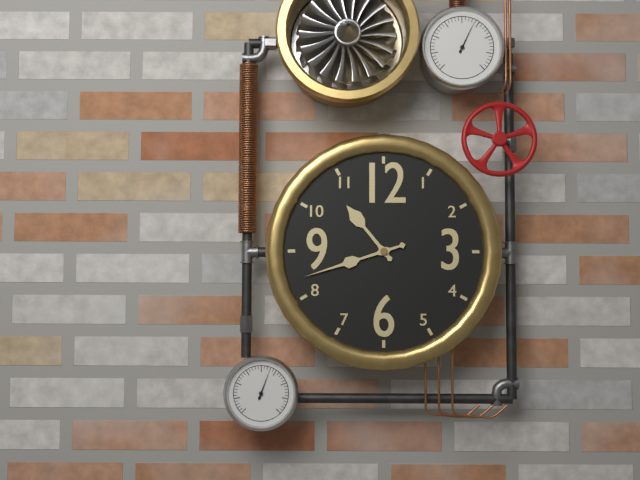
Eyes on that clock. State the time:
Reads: 10:42
